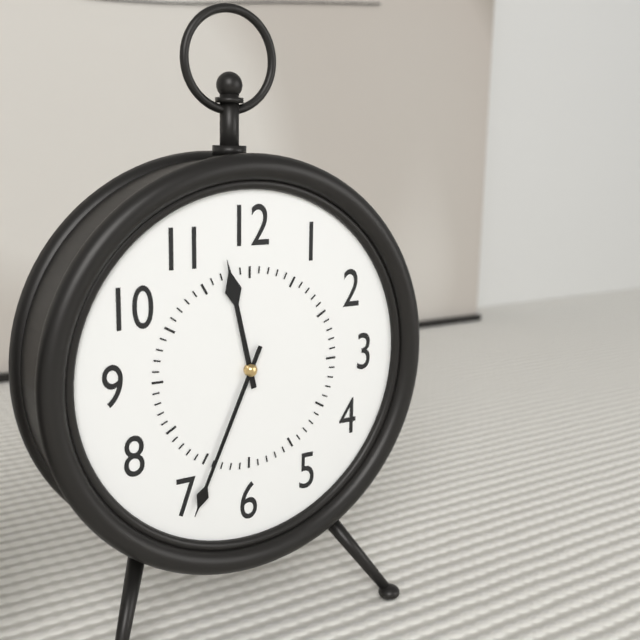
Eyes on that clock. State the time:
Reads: 11:34
